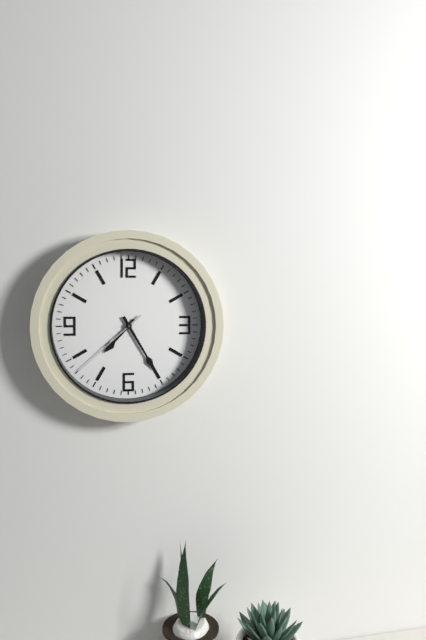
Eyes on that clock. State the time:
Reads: 7:25:38
